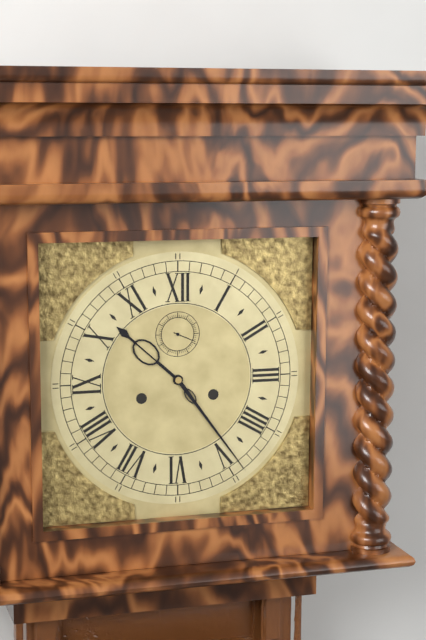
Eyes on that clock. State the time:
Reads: 10:24
